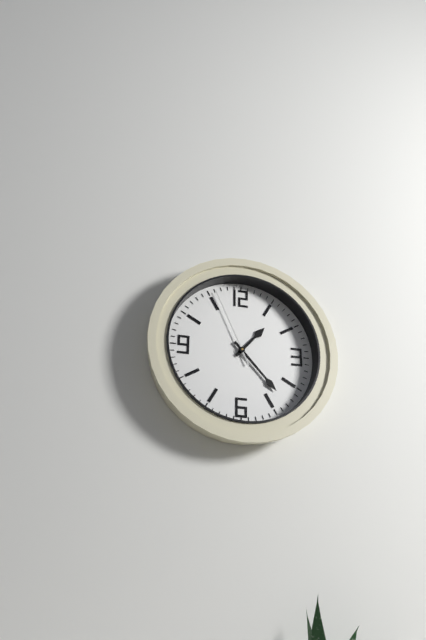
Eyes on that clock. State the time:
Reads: 1:23:56
